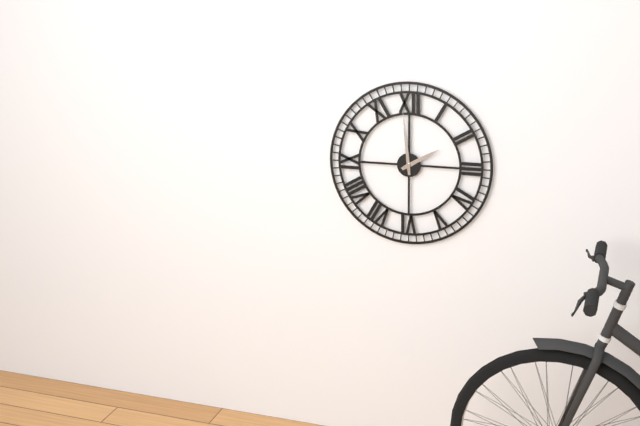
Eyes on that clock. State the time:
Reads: 1:59
